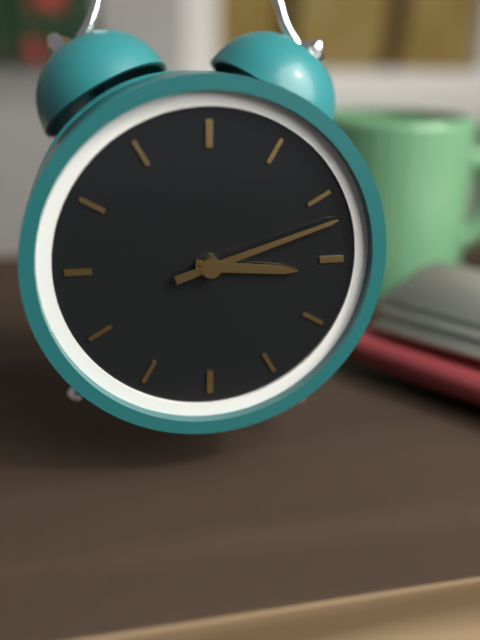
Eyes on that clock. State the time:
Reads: 3:12
